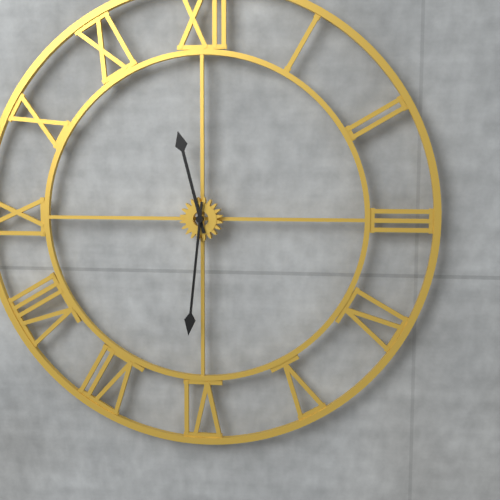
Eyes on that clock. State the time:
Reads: 11:31
